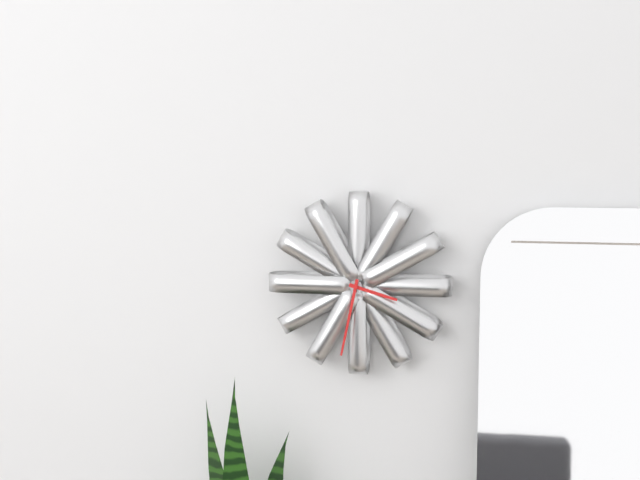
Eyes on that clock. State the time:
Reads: 3:32
